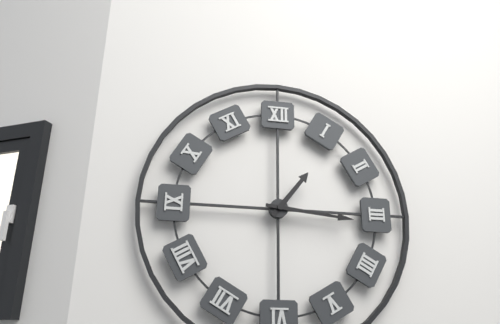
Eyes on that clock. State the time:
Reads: 1:16
